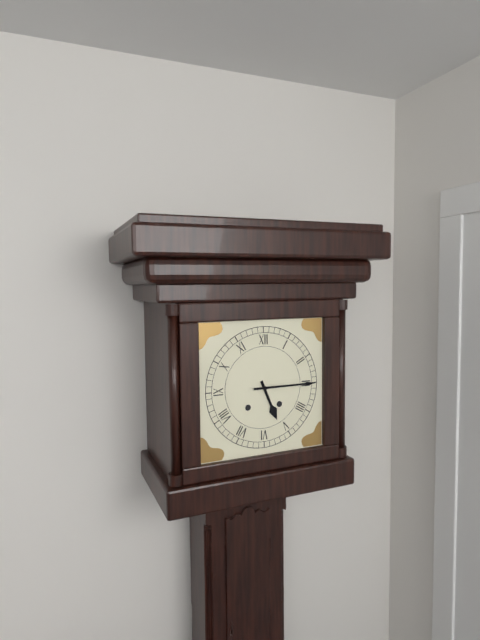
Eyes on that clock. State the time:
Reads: 5:15
